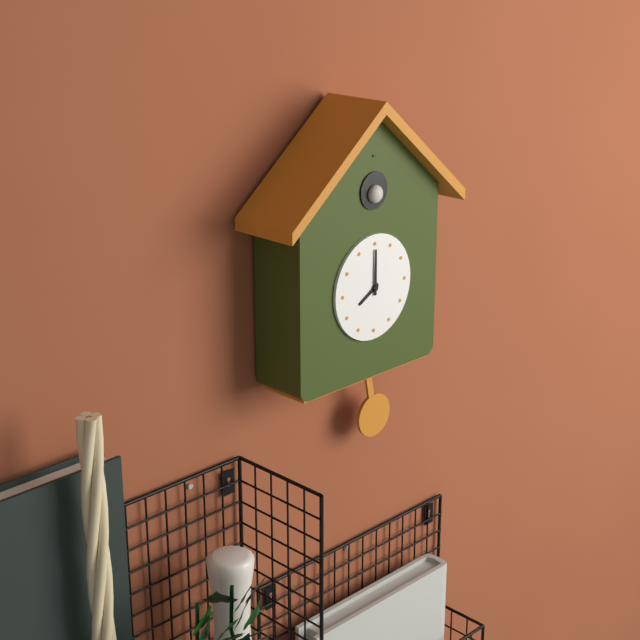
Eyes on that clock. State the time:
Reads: 8:00
